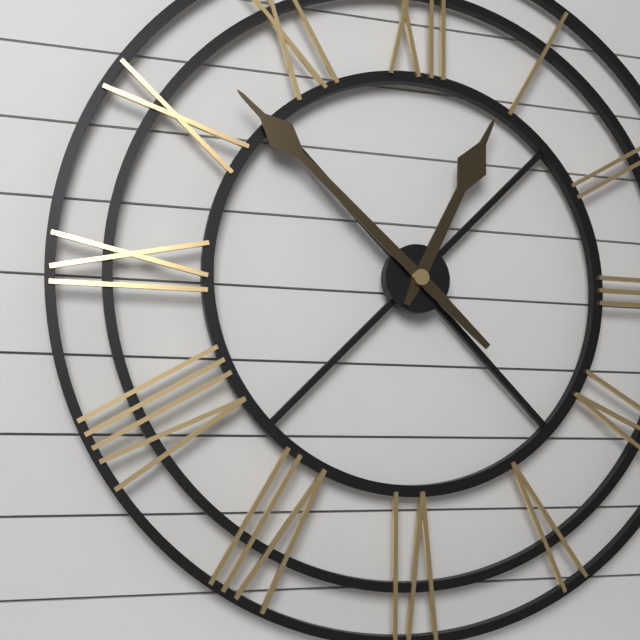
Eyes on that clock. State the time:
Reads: 12:52
